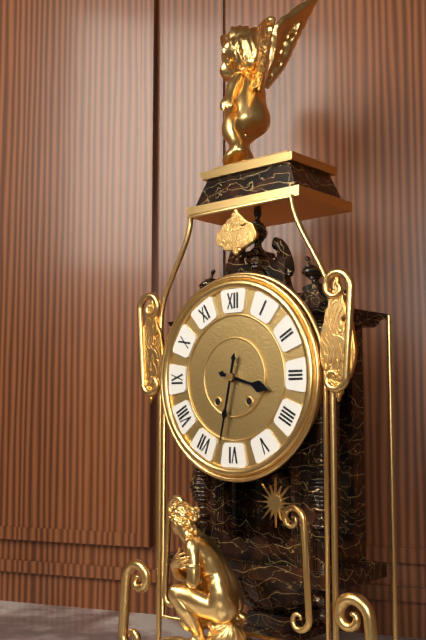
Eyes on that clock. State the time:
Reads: 3:32
